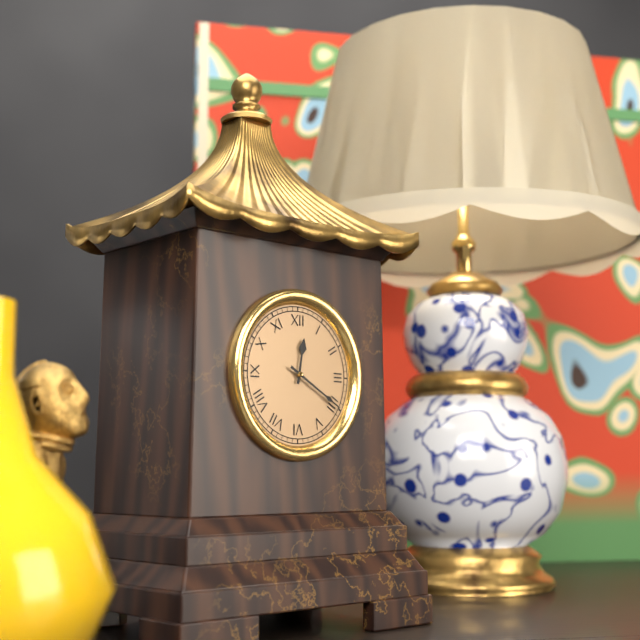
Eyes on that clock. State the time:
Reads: 12:20
